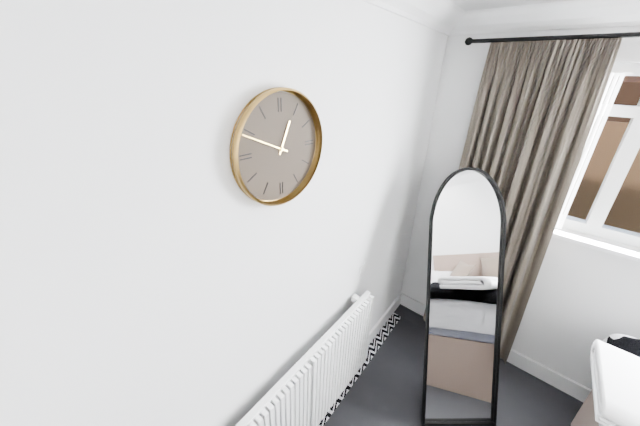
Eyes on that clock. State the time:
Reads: 12:49
